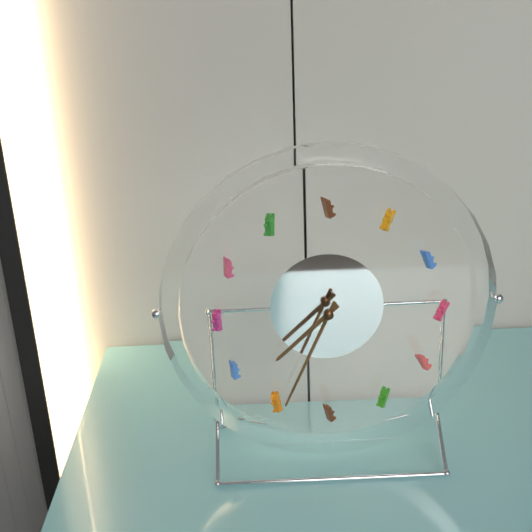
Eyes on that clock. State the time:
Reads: 7:34
